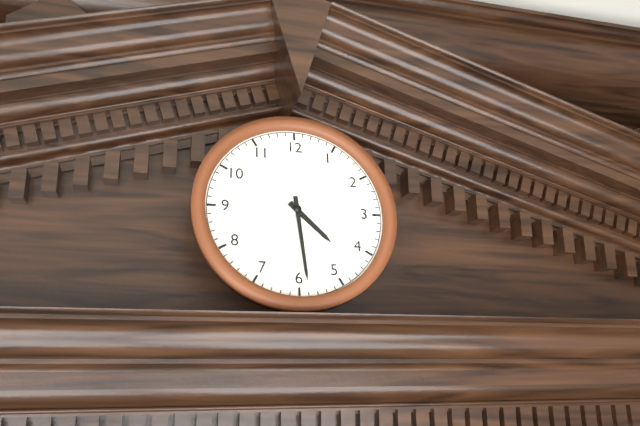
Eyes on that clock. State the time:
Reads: 4:29
